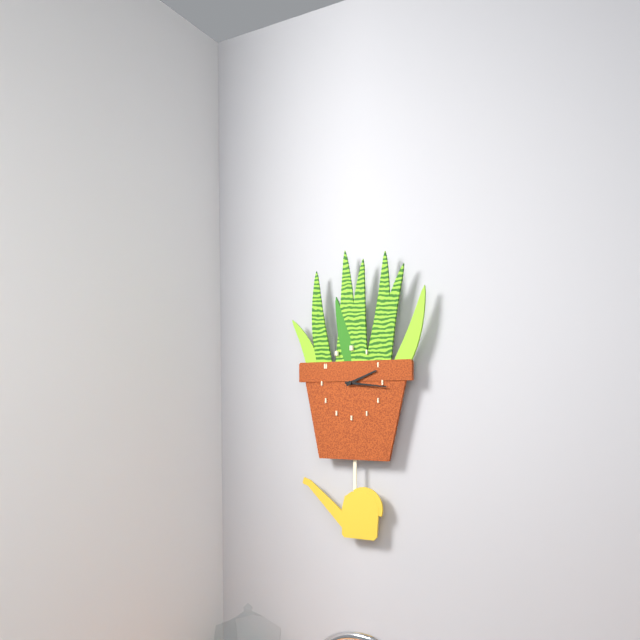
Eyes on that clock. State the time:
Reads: 2:16
